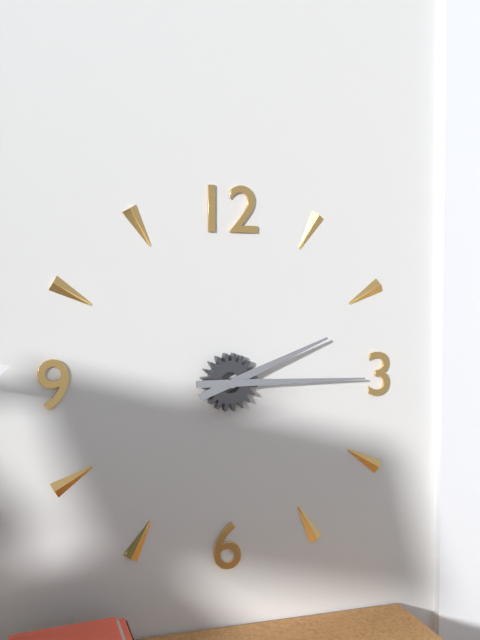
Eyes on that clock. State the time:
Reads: 2:15
